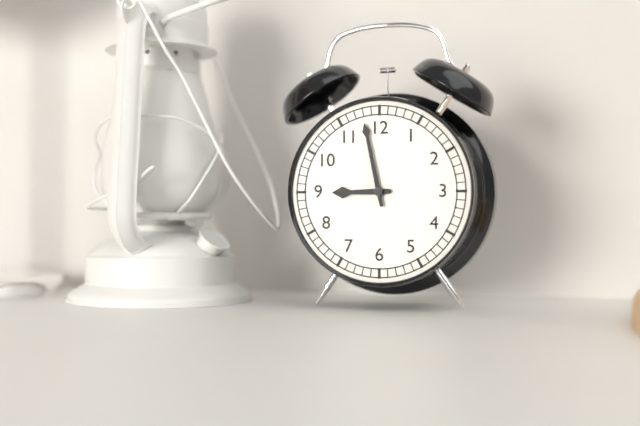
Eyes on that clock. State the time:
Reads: 8:58
